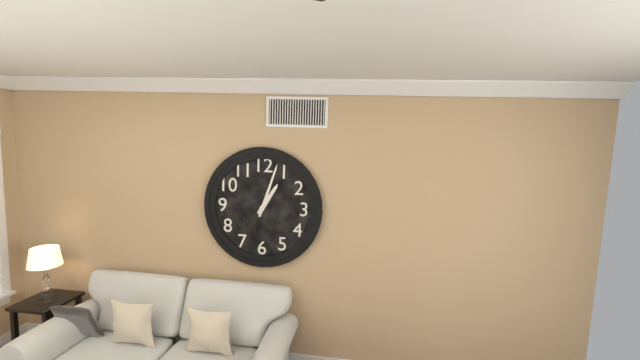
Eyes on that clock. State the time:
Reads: 1:03
